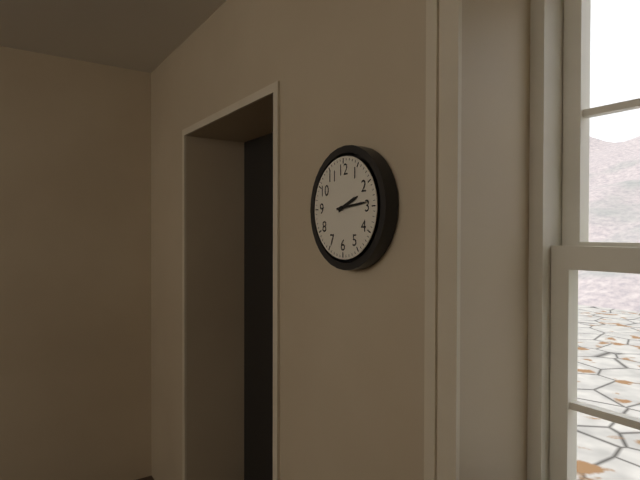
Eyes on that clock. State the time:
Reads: 2:14
